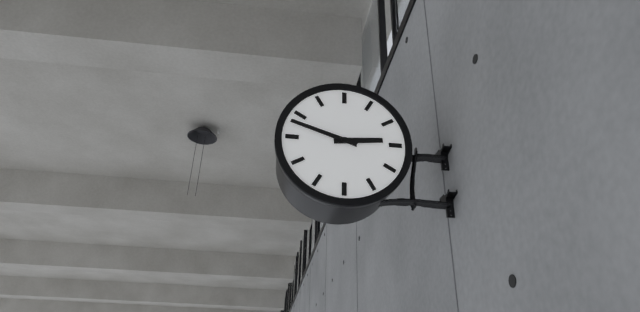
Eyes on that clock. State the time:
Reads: 2:48
